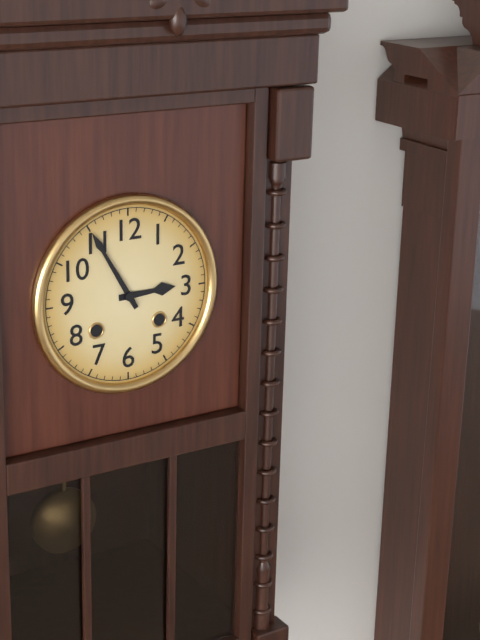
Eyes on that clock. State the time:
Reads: 2:55
